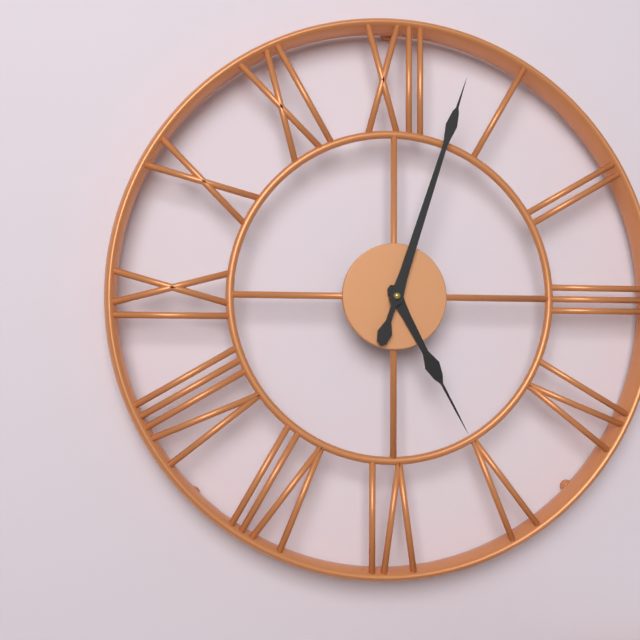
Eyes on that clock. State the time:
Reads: 5:03
